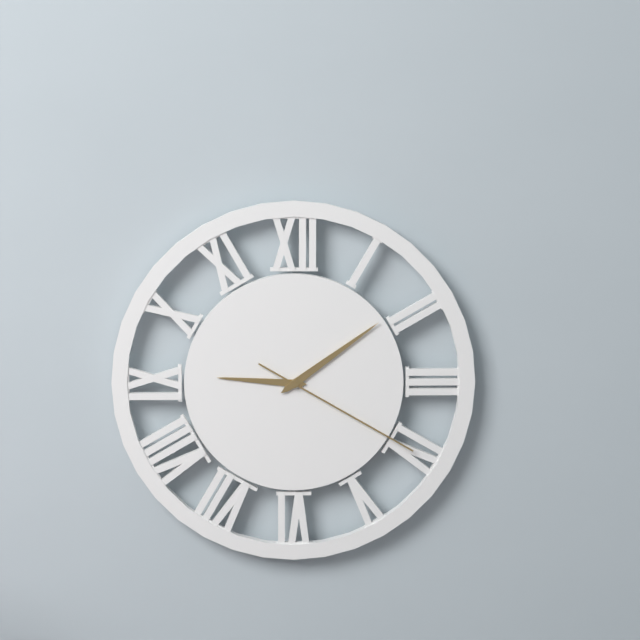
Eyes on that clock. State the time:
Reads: 9:09:20
